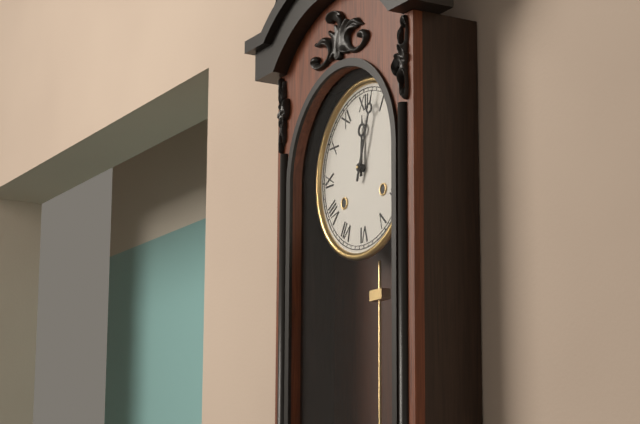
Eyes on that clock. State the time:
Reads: 12:03
